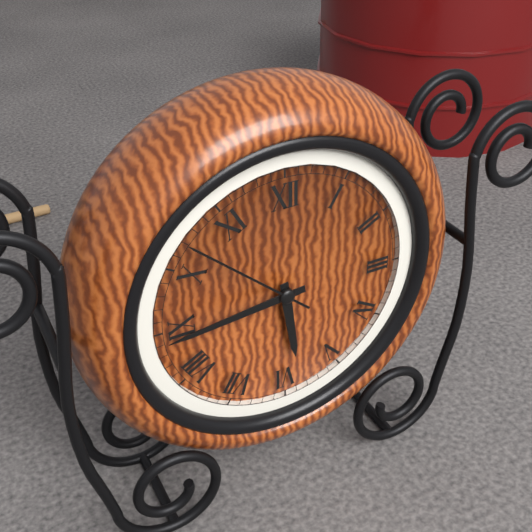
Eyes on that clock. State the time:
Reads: 5:44:52
